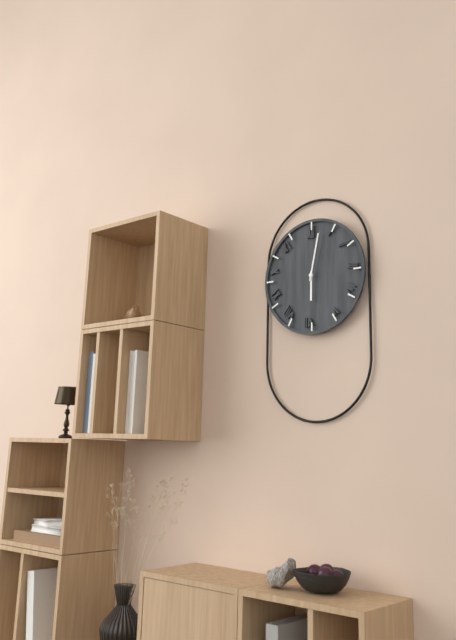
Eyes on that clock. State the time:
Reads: 6:02
